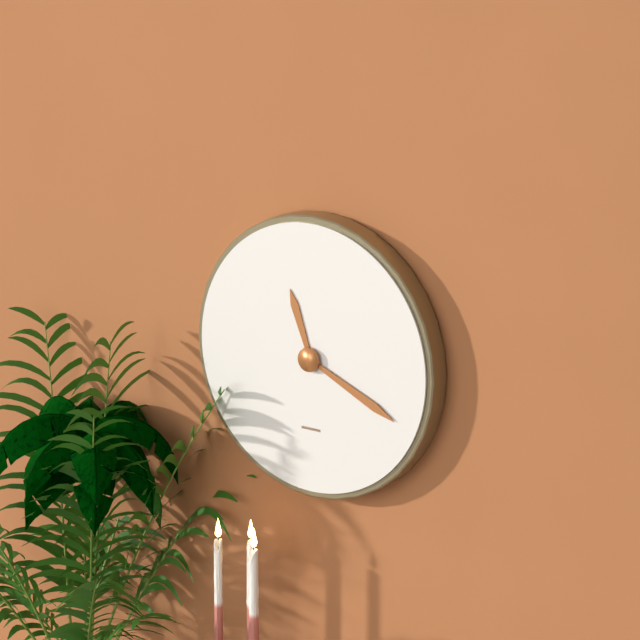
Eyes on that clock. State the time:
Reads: 11:19
